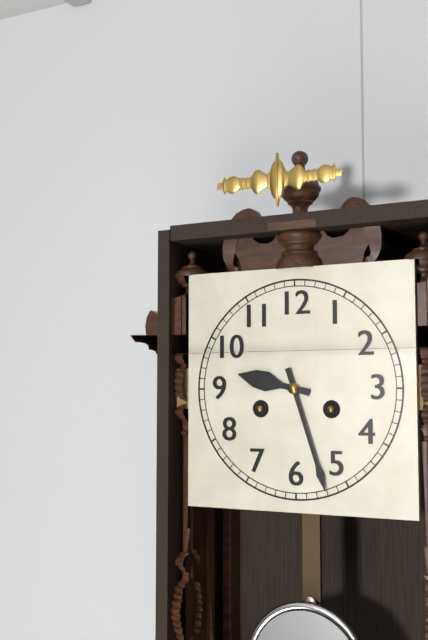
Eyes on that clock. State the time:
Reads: 9:27
